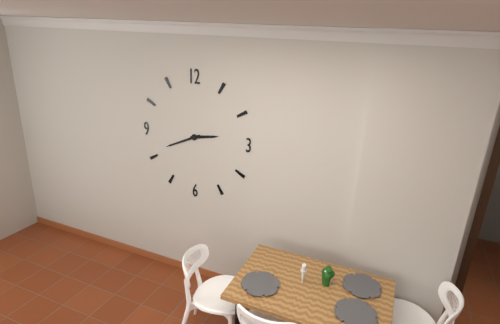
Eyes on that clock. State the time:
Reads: 2:41
